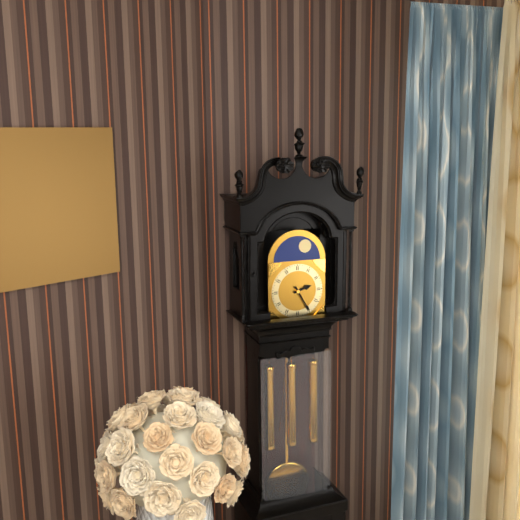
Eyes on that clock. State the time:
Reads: 2:25
